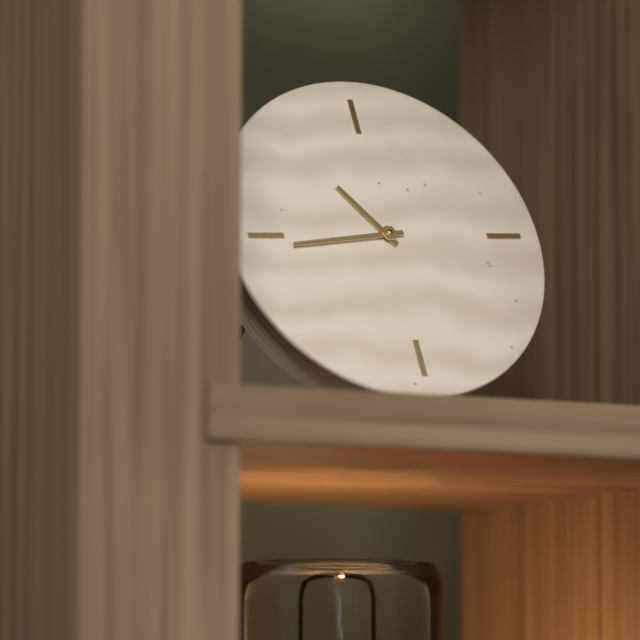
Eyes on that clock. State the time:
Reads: 10:44
